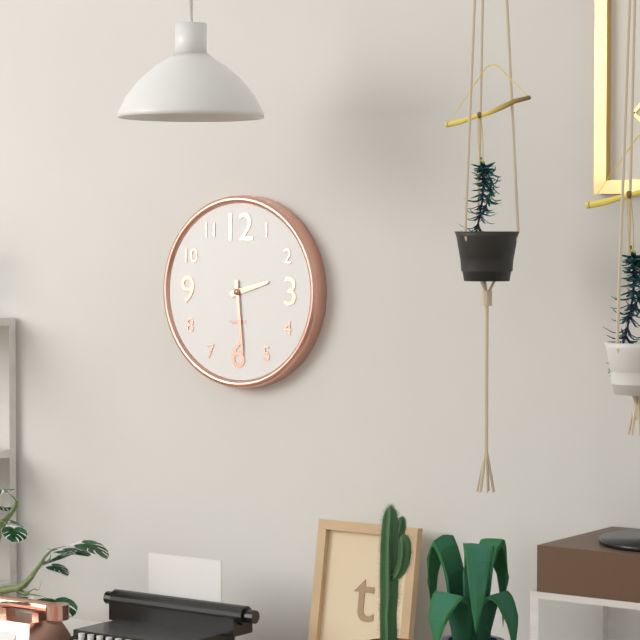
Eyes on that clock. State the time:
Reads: 2:29
